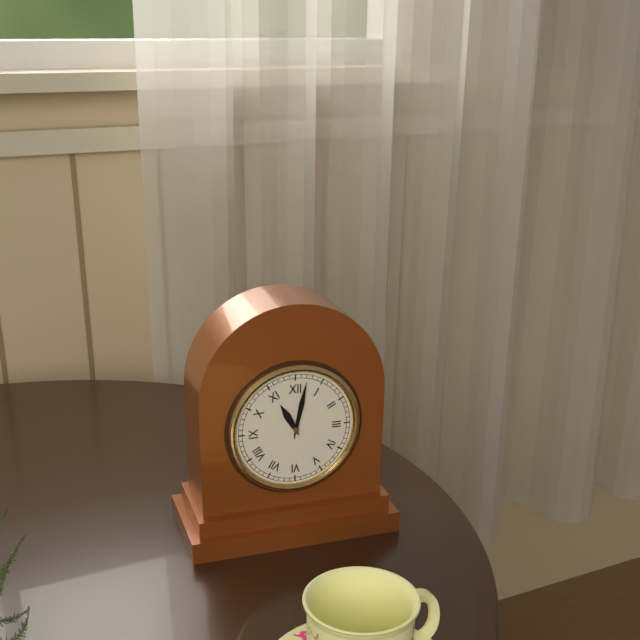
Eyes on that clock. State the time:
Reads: 11:02
